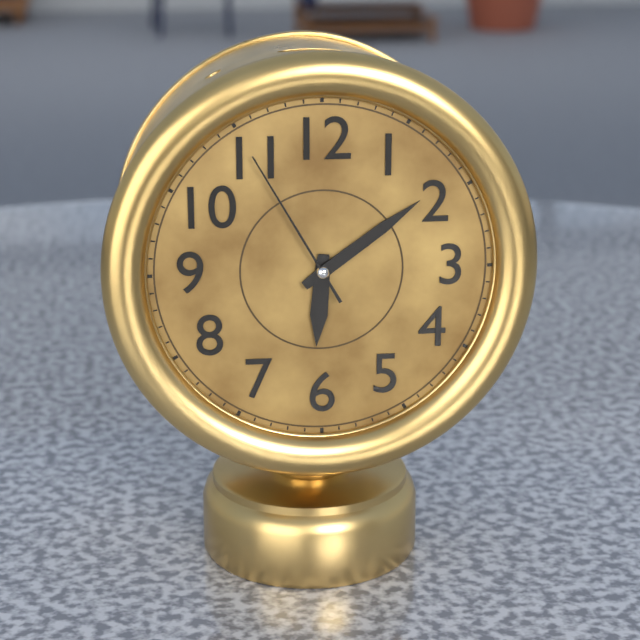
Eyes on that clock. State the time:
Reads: 6:09:55
